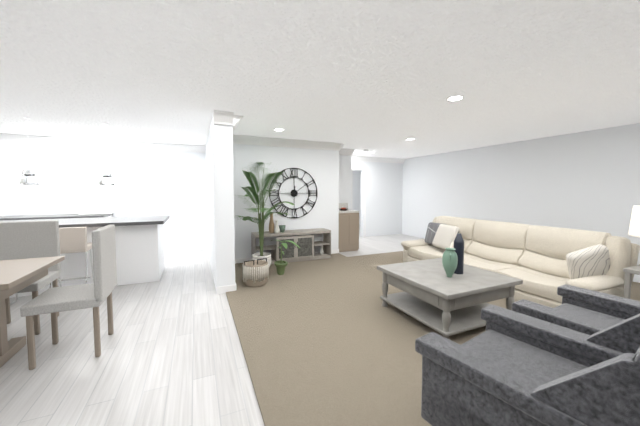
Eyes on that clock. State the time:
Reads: 12:09
